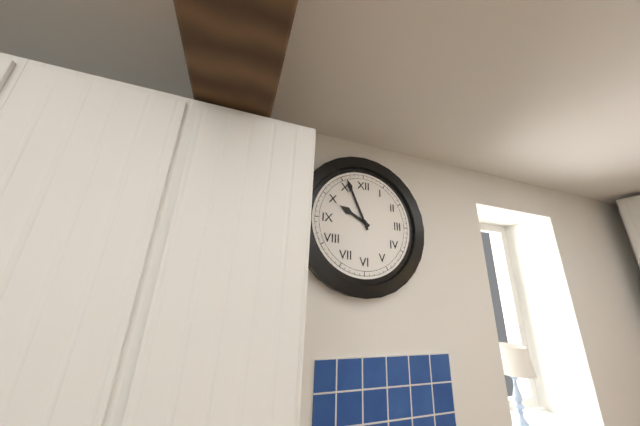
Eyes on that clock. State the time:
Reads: 9:56
